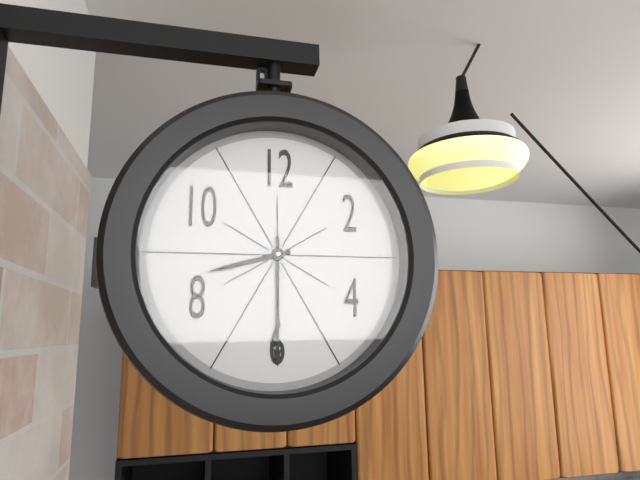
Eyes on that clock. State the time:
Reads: 8:30
